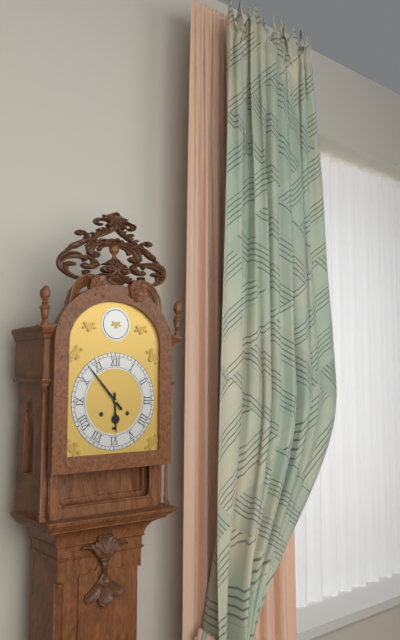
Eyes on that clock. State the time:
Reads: 5:53
